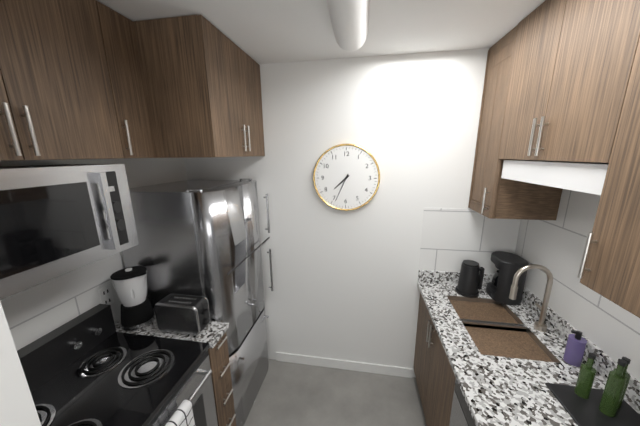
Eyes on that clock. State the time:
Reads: 7:34
